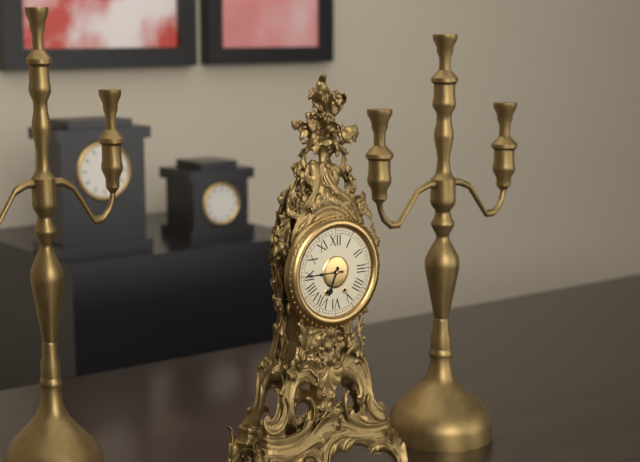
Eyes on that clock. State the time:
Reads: 6:45
